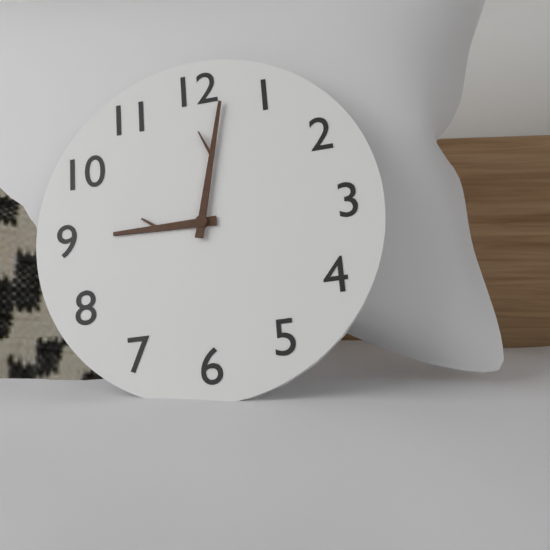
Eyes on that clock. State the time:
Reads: 9:02
